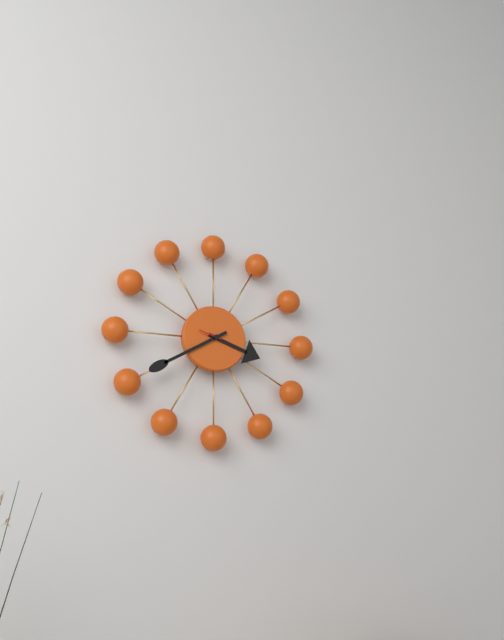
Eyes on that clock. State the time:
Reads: 3:40
